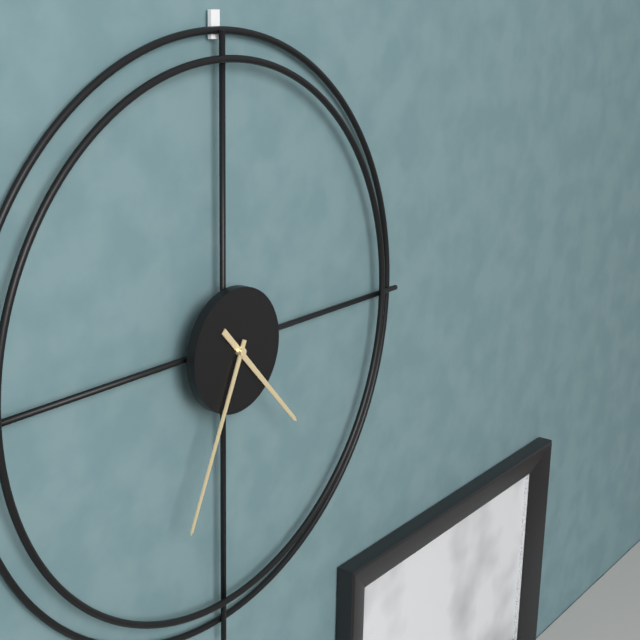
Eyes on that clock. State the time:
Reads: 4:34
